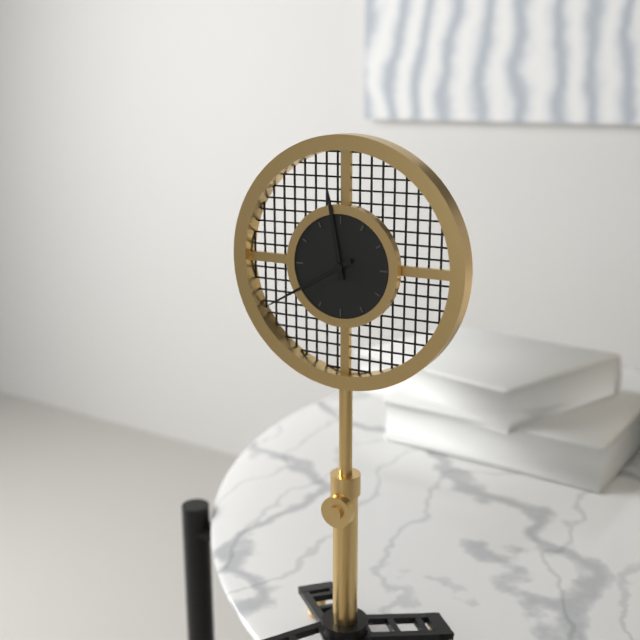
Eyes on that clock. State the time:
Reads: 11:40
